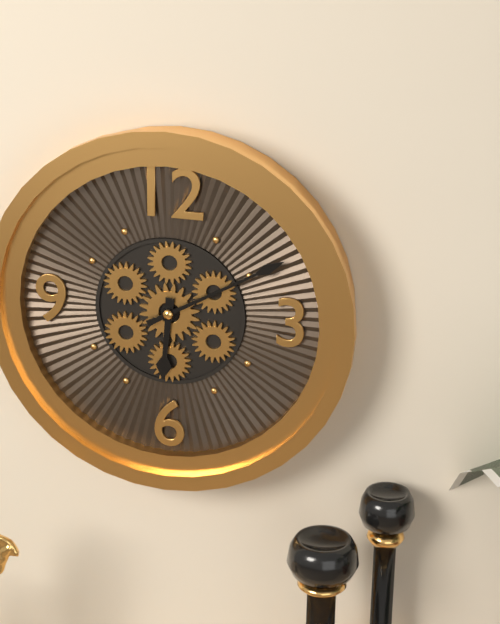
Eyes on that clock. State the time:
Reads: 6:10
